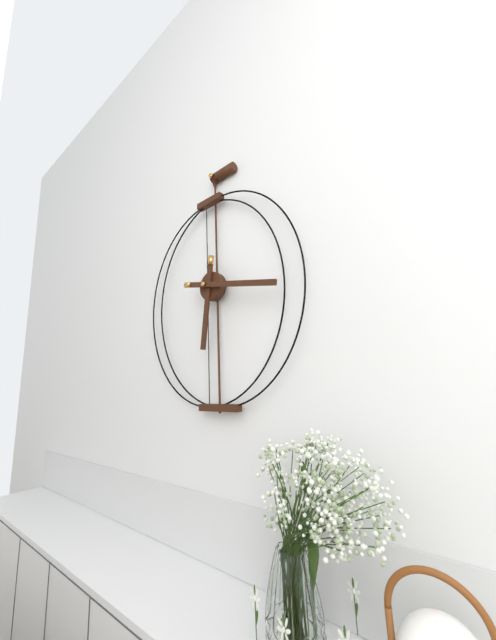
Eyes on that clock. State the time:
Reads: 6:17
